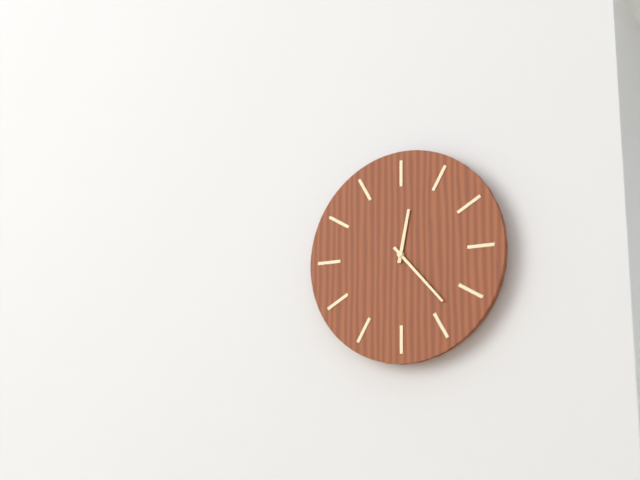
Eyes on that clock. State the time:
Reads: 12:23
